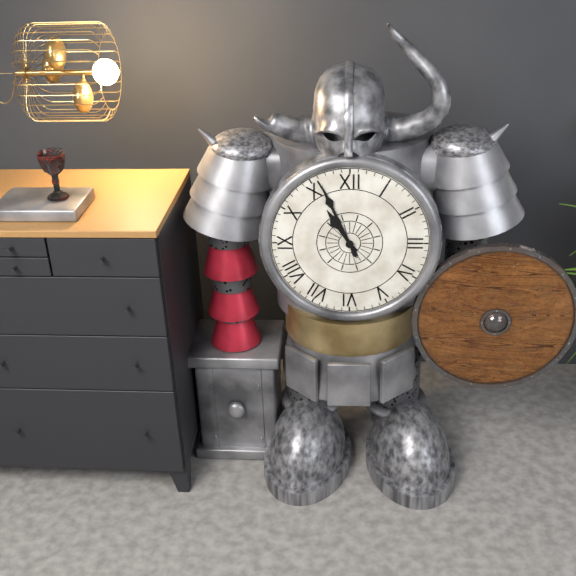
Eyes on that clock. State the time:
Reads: 10:56
